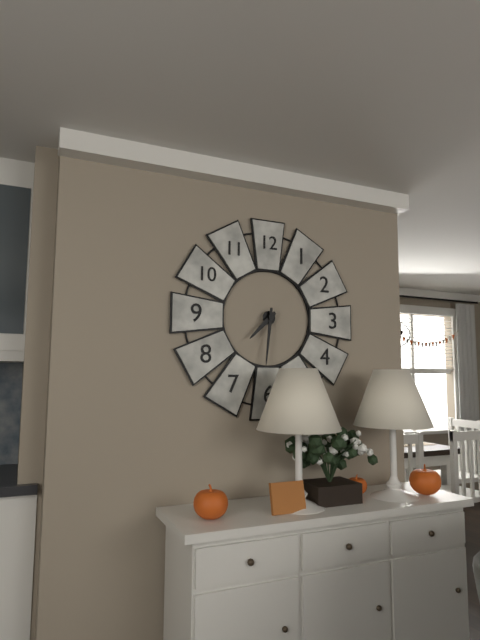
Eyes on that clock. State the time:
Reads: 7:31
